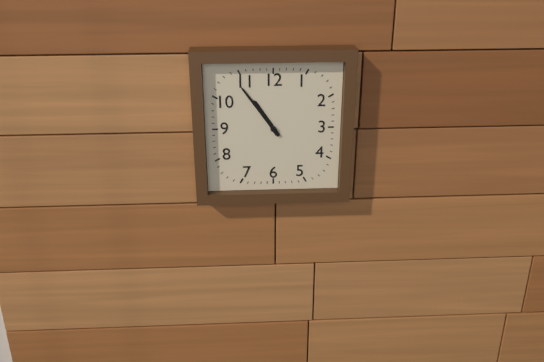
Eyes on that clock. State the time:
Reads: 10:54
